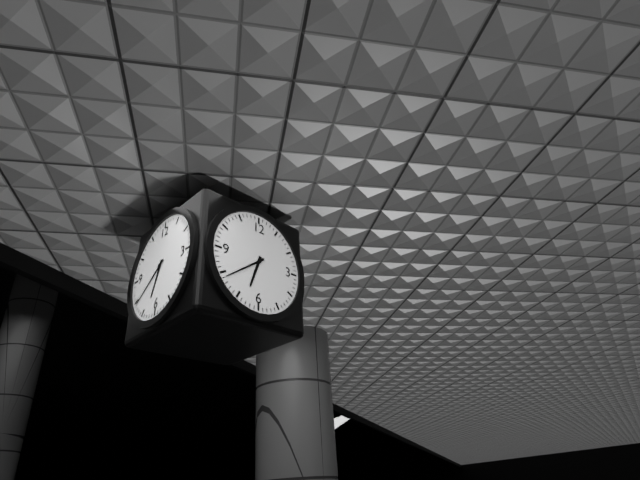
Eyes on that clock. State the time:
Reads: 6:39
